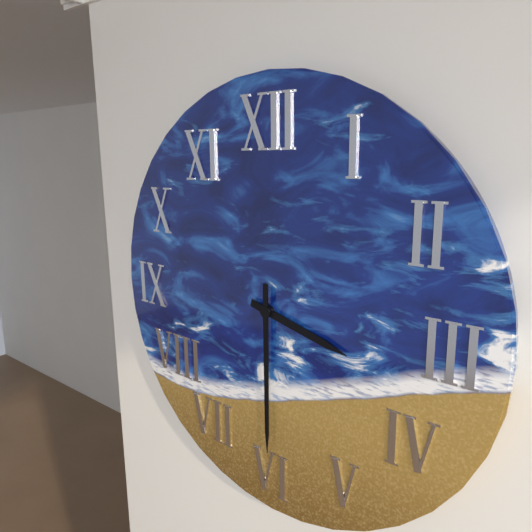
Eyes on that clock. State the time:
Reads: 3:30
